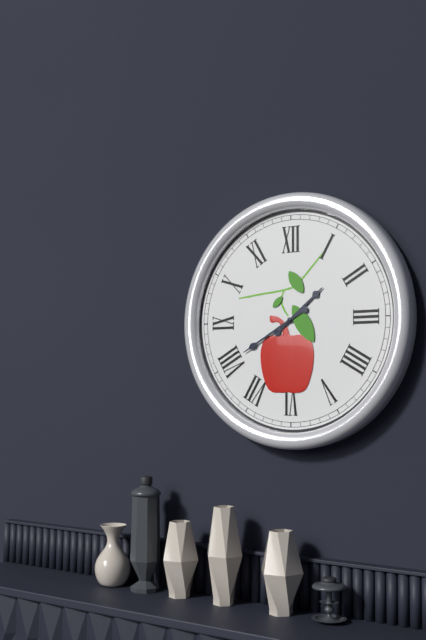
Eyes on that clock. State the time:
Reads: 1:40
